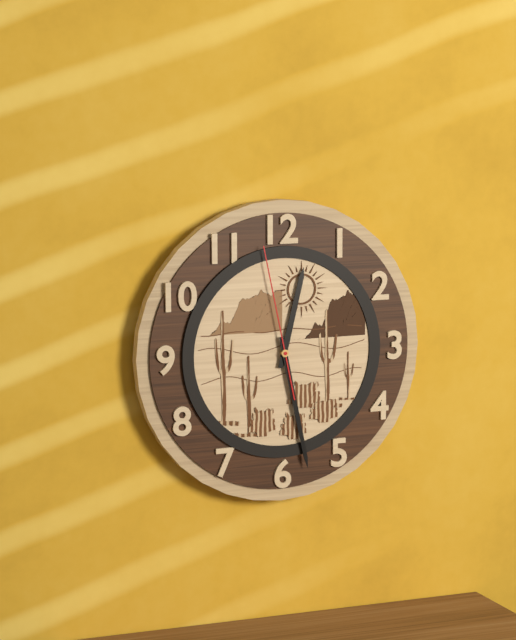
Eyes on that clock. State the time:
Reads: 12:28:58
